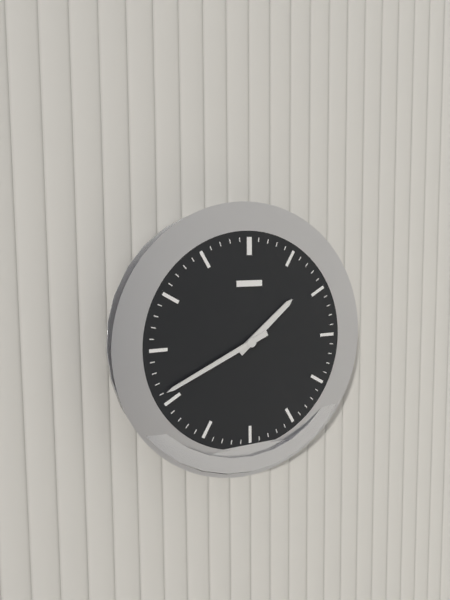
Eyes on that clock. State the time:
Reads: 1:41
